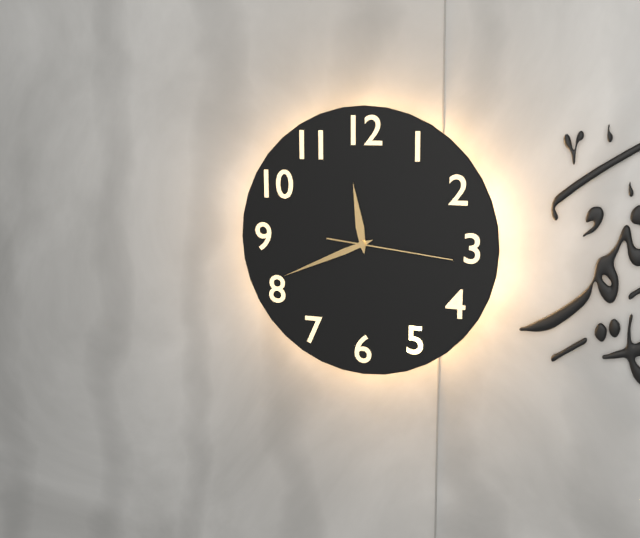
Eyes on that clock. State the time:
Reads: 11:41:16
